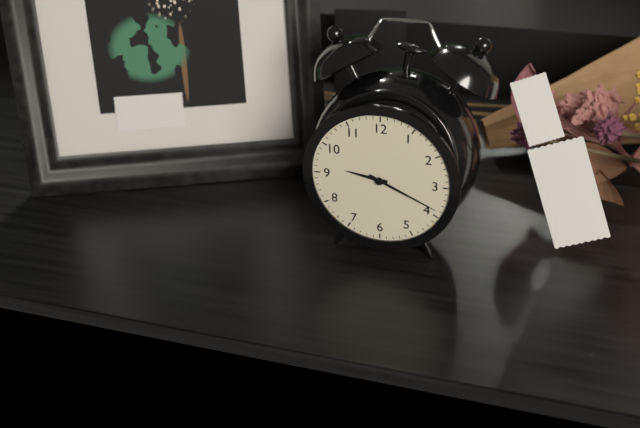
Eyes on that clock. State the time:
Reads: 9:19
